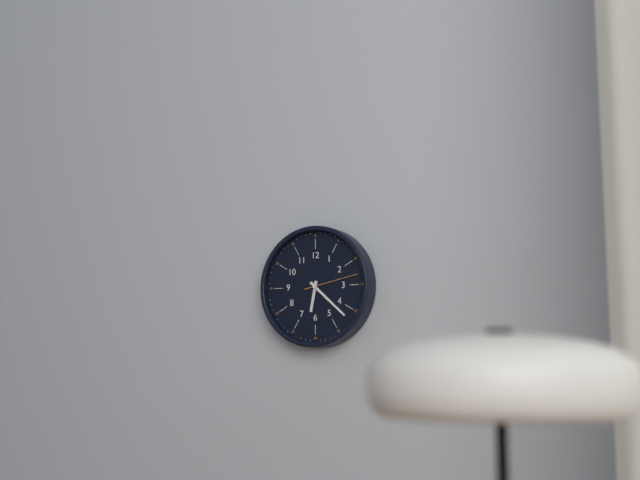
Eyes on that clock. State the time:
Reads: 6:22:13
